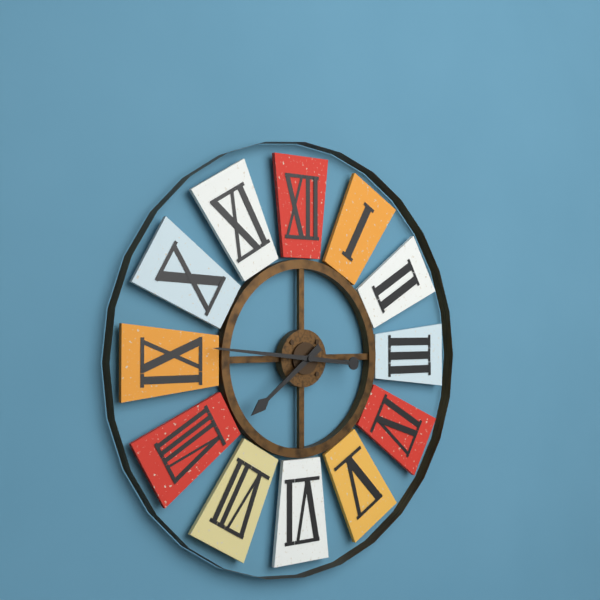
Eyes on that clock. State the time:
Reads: 7:46
